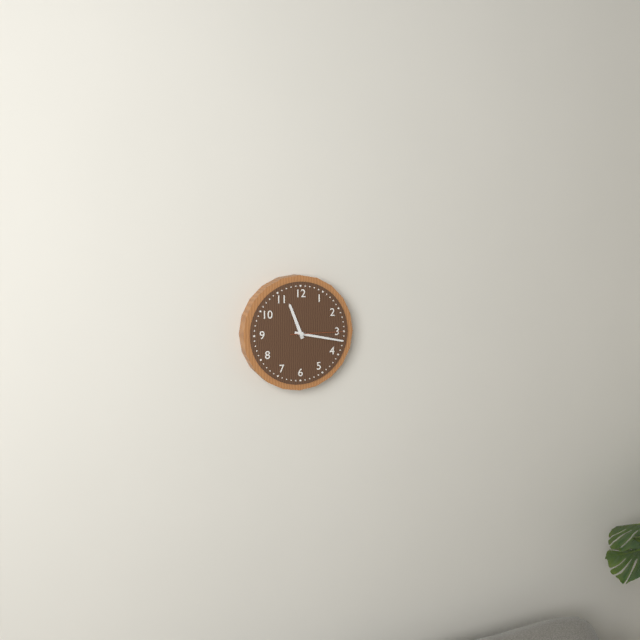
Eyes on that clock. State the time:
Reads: 11:17:15
